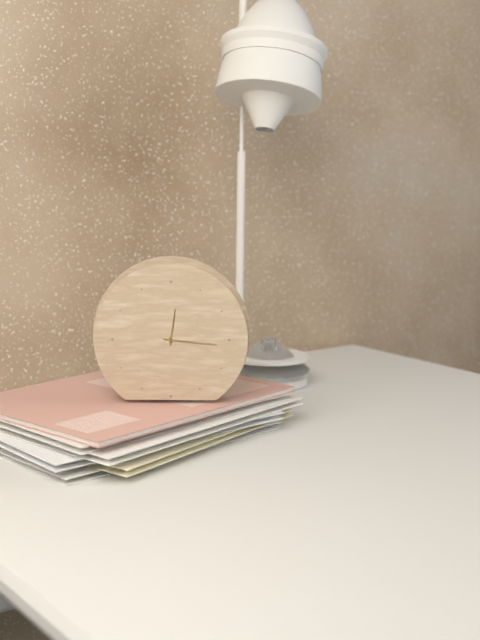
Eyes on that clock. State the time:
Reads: 12:16
